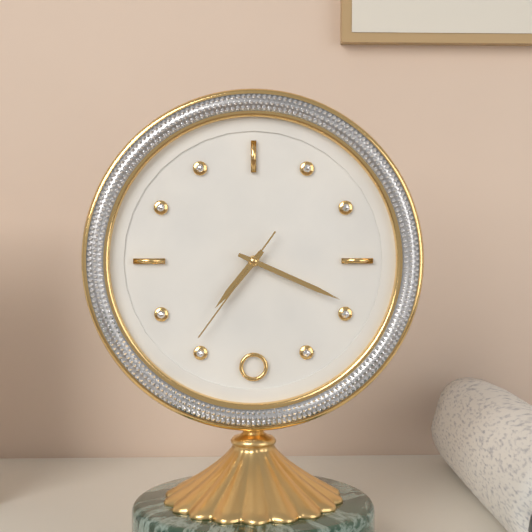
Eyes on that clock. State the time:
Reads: 7:19:36
